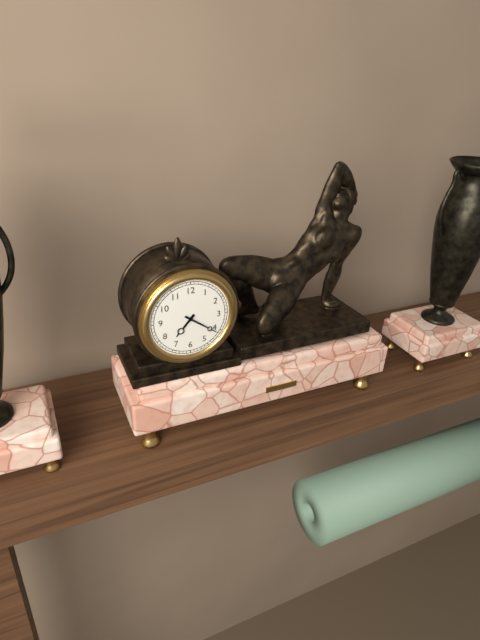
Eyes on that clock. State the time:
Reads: 7:21
